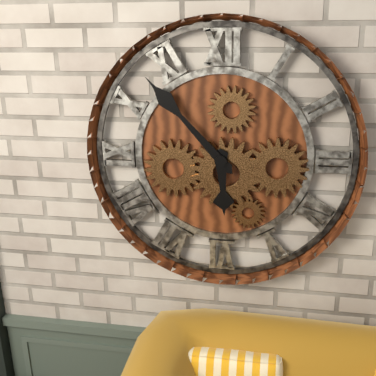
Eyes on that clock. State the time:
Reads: 5:53
